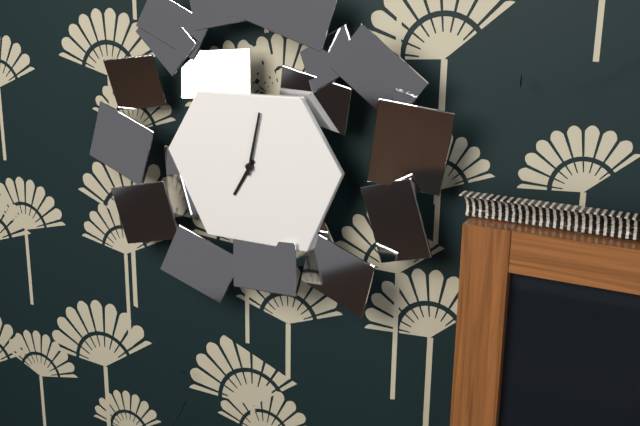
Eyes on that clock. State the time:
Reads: 7:02
